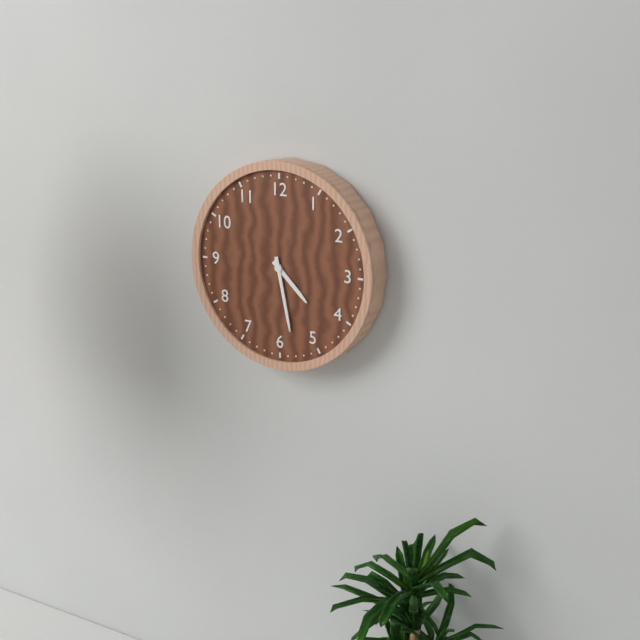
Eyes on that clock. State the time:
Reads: 4:28
